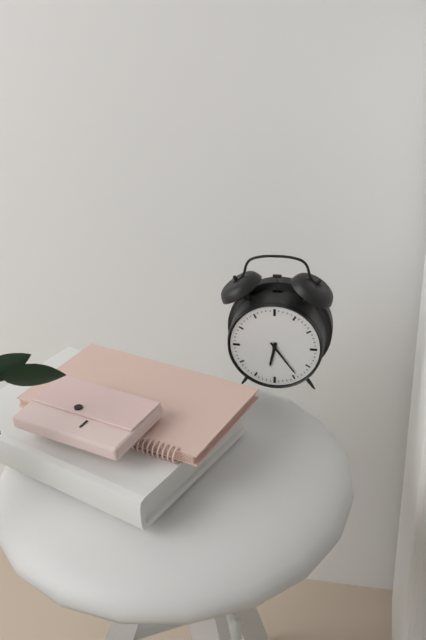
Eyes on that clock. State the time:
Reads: 6:24
